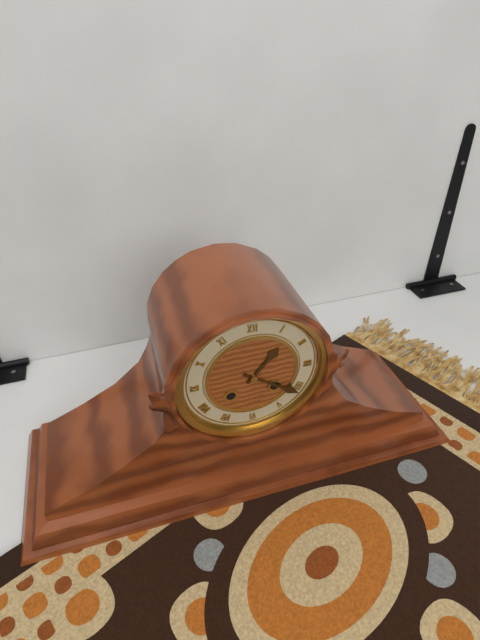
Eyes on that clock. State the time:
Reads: 1:21
